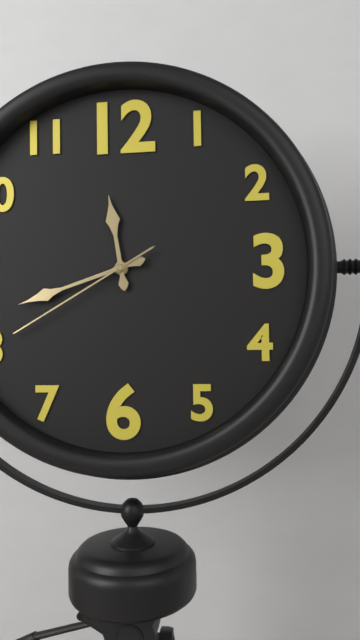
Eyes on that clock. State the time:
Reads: 11:42:40
